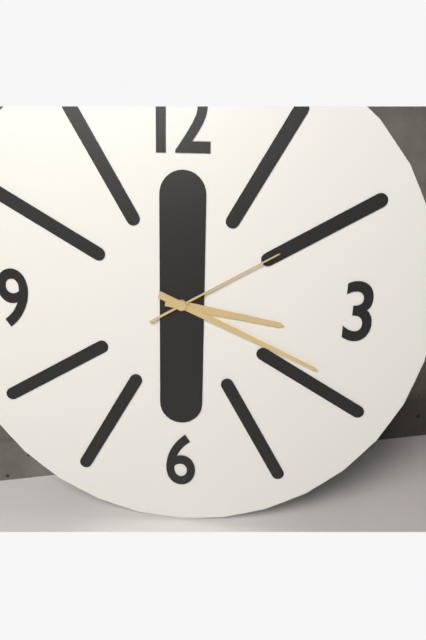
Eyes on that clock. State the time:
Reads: 3:19:10
